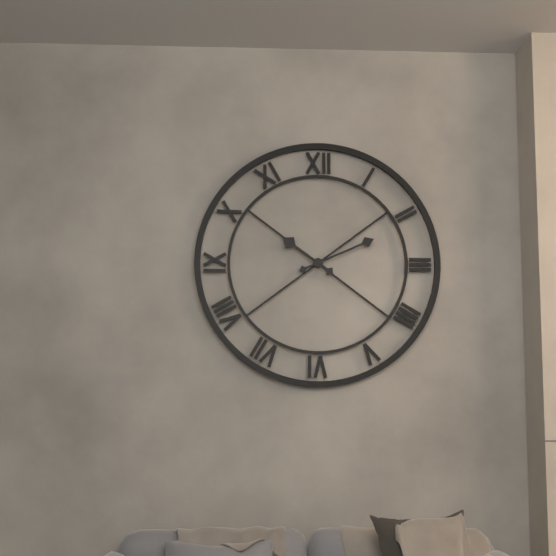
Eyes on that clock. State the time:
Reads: 10:11
